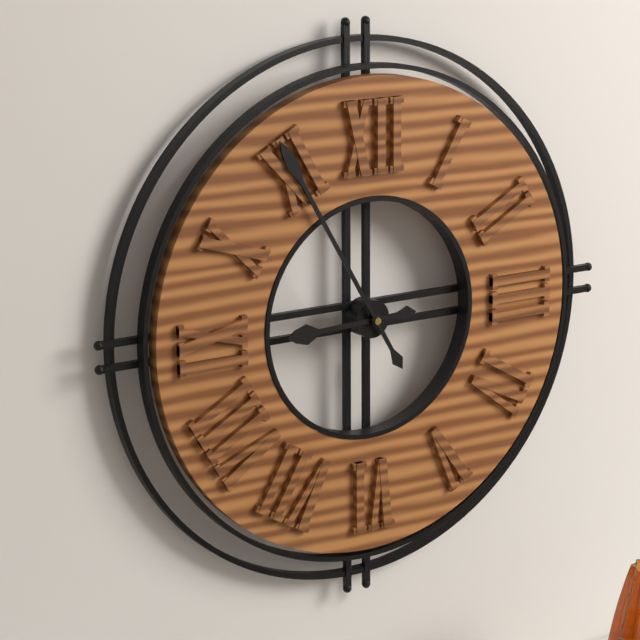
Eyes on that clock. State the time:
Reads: 8:55
